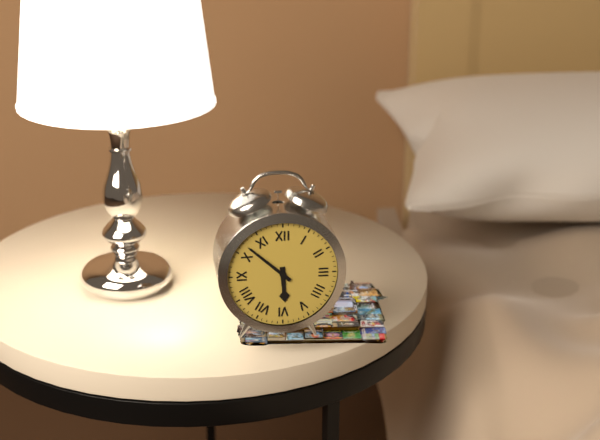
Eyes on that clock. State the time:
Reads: 5:52
